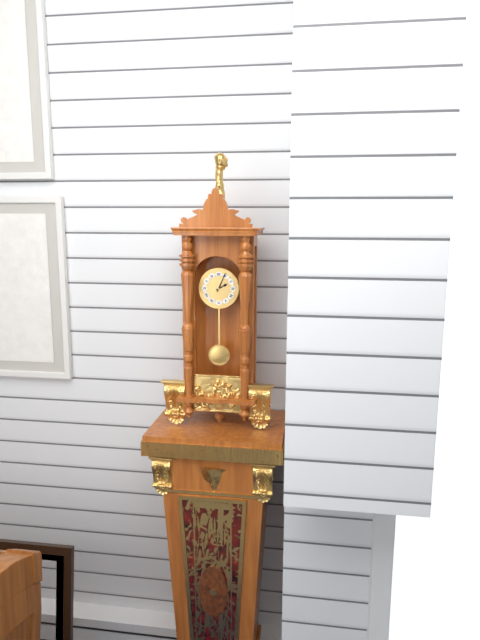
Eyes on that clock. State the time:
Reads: 2:04
